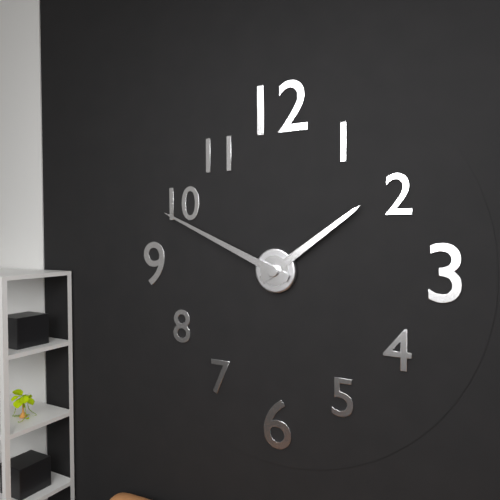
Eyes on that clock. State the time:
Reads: 1:49
